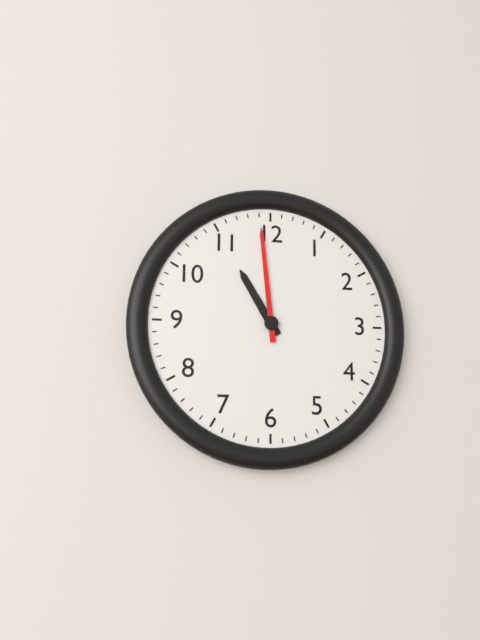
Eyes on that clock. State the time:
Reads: 10:59
